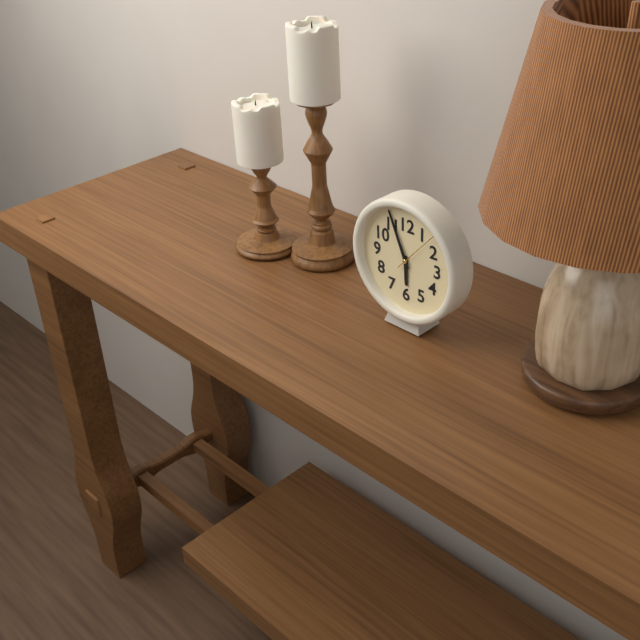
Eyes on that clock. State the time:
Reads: 5:56
